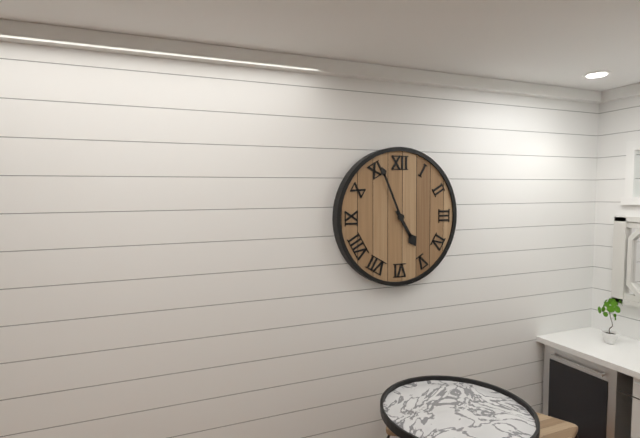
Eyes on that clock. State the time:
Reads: 4:56
